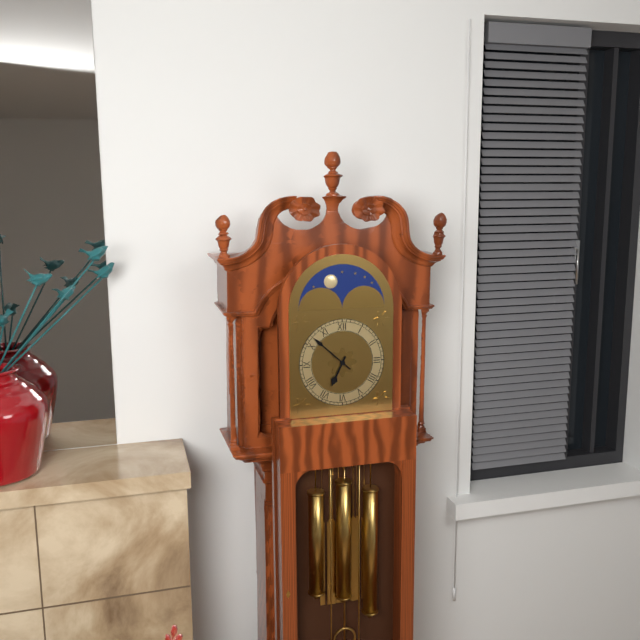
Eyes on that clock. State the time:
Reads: 6:52
